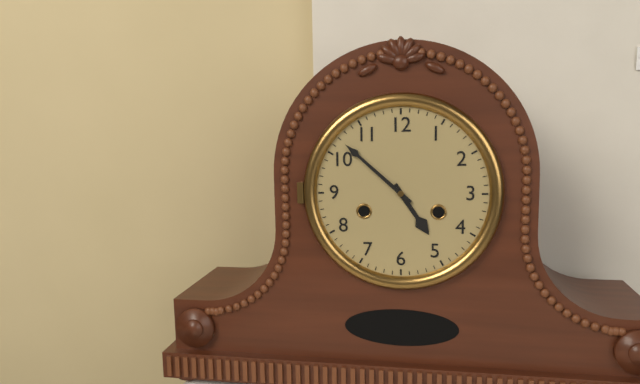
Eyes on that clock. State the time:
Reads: 4:52
